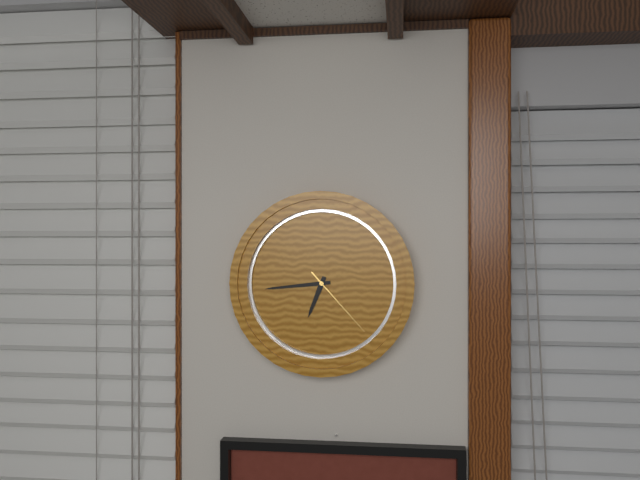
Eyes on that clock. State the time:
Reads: 6:44:23
